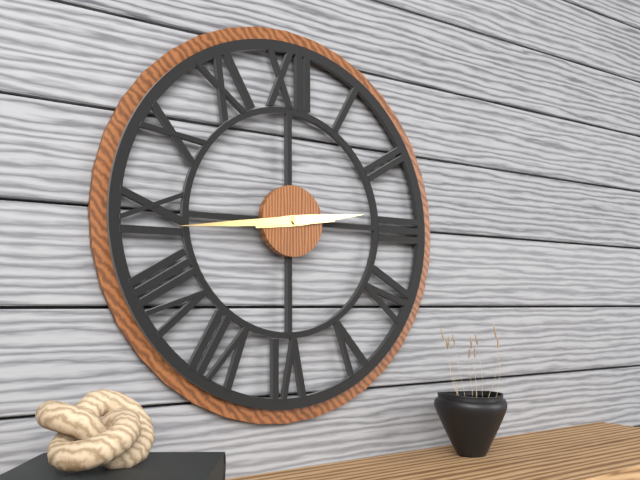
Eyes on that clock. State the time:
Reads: 2:44
